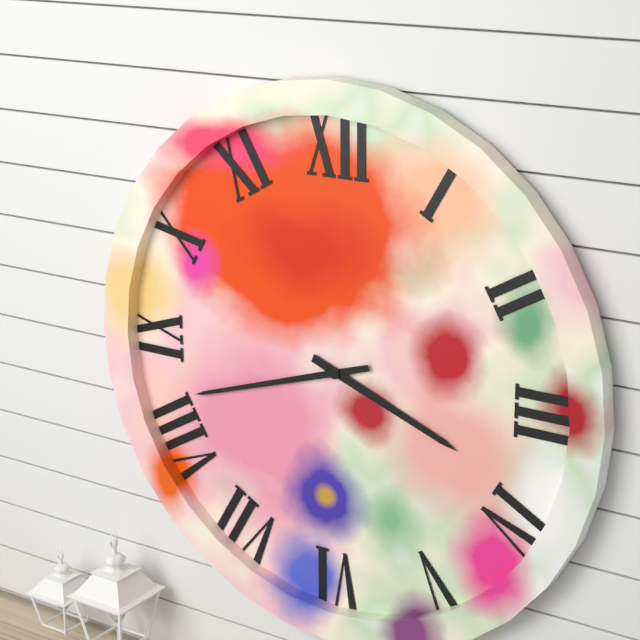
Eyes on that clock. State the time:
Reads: 3:42
